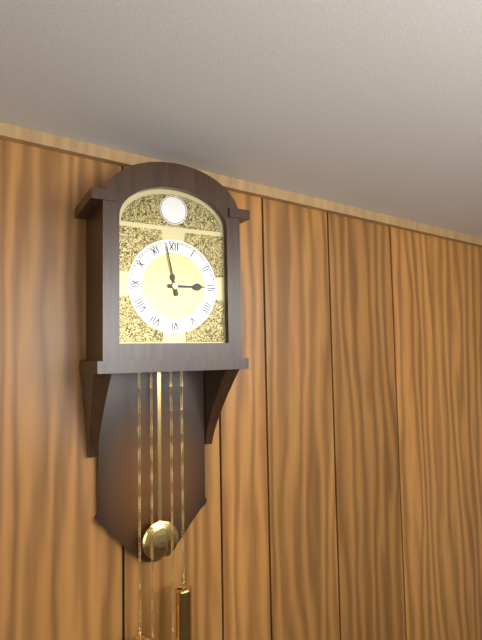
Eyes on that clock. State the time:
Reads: 2:58
